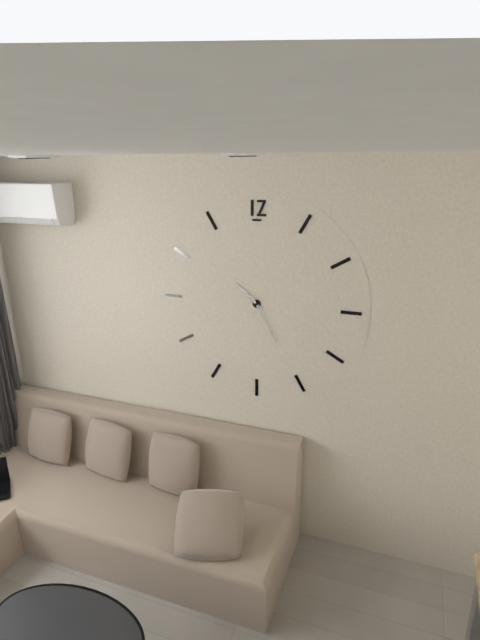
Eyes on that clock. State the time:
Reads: 10:25
